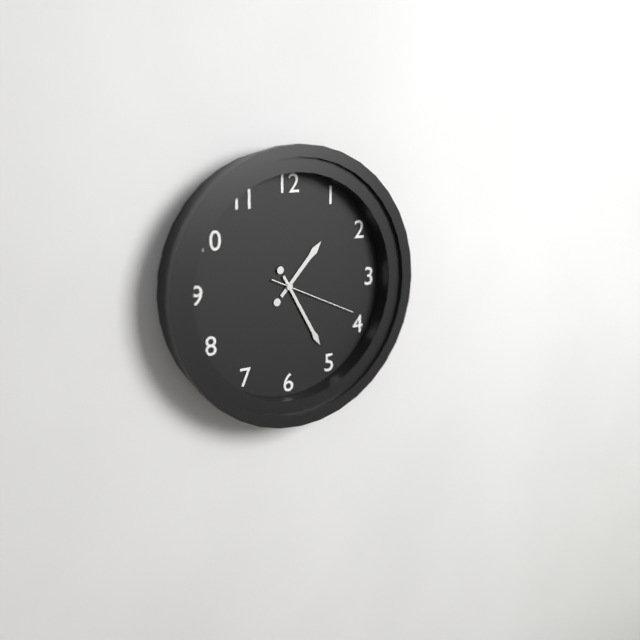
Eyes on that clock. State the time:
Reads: 1:25:19
